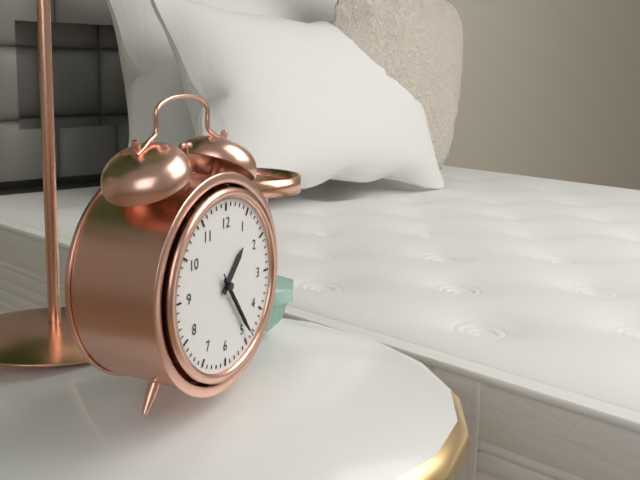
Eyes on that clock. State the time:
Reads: 1:24:24
